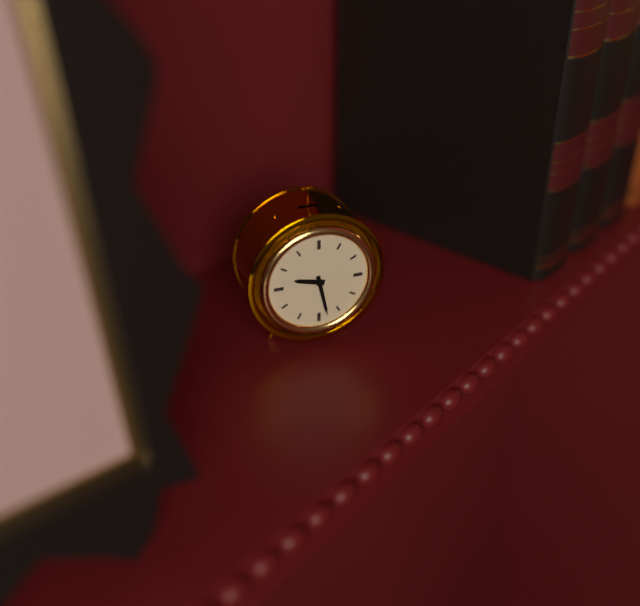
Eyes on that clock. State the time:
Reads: 9:28
